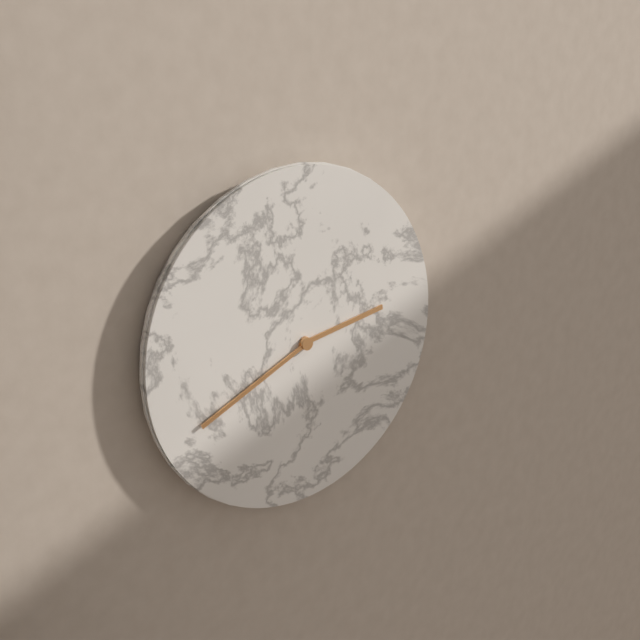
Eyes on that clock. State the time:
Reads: 2:41
